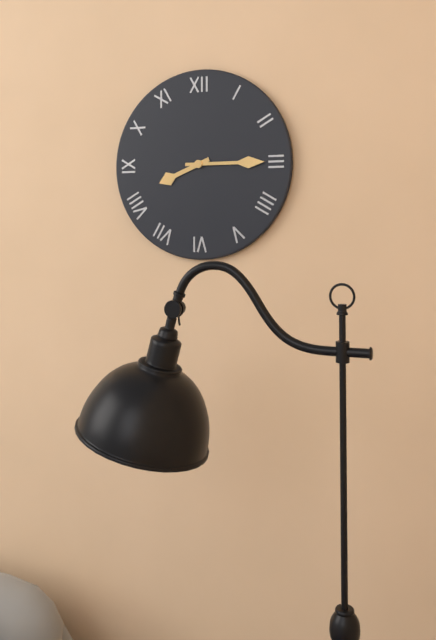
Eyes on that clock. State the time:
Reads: 8:15
